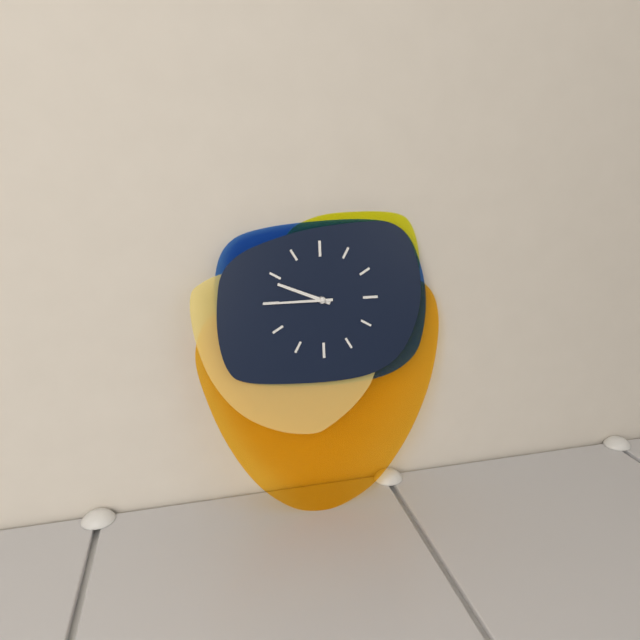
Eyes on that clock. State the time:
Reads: 9:45
